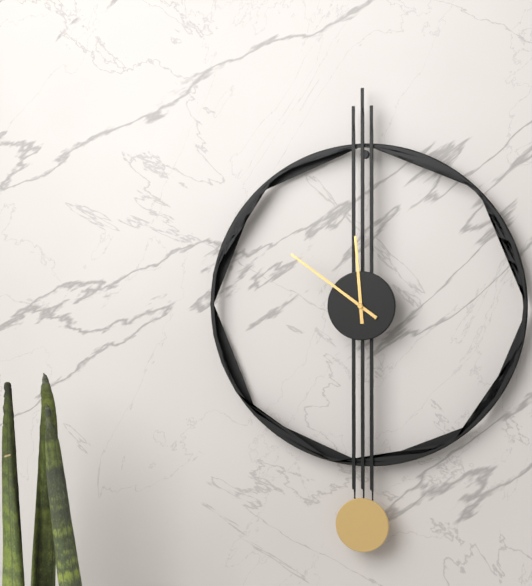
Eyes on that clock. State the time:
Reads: 11:51
